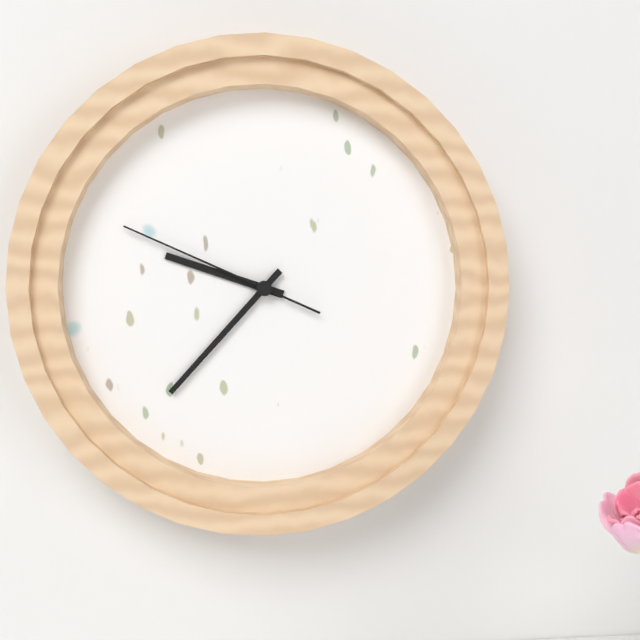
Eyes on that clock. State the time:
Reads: 9:37:49
